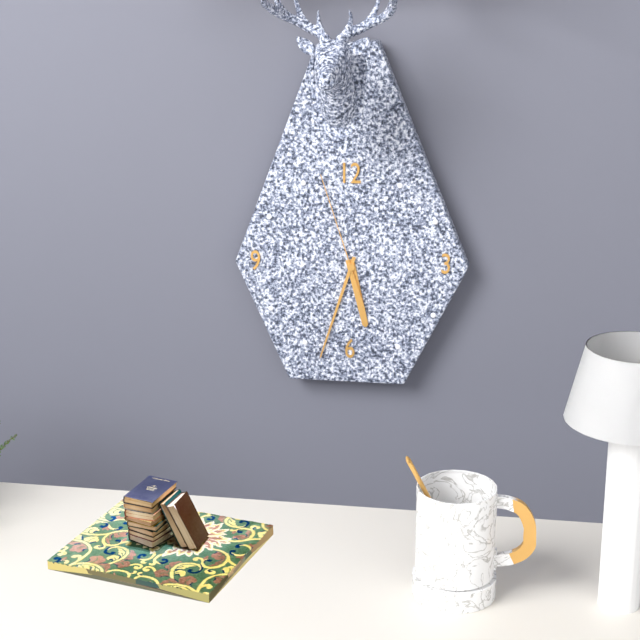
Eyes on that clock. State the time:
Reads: 5:33:57
